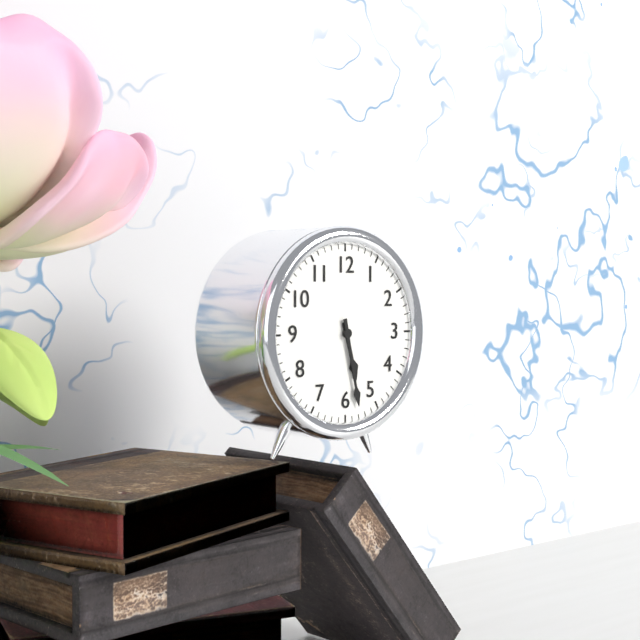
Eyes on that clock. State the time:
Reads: 5:28
